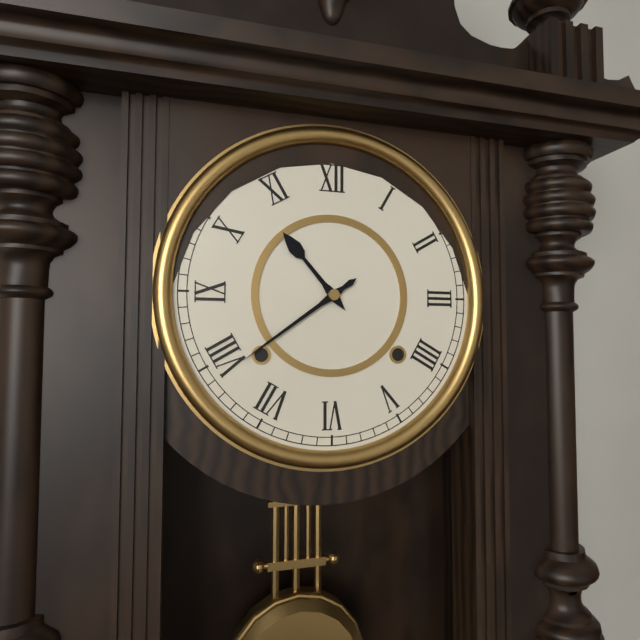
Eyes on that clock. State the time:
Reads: 10:39
